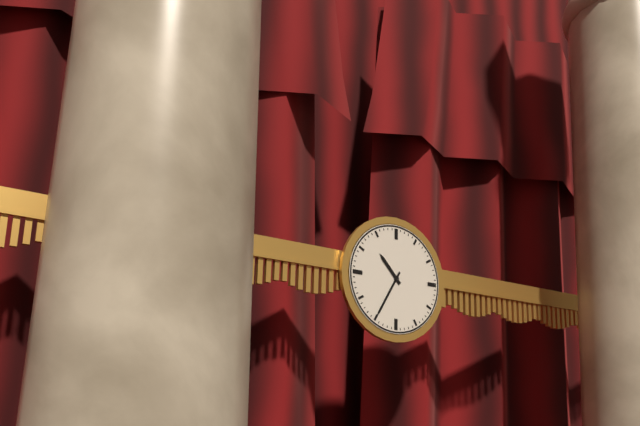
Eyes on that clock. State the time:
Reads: 10:35
